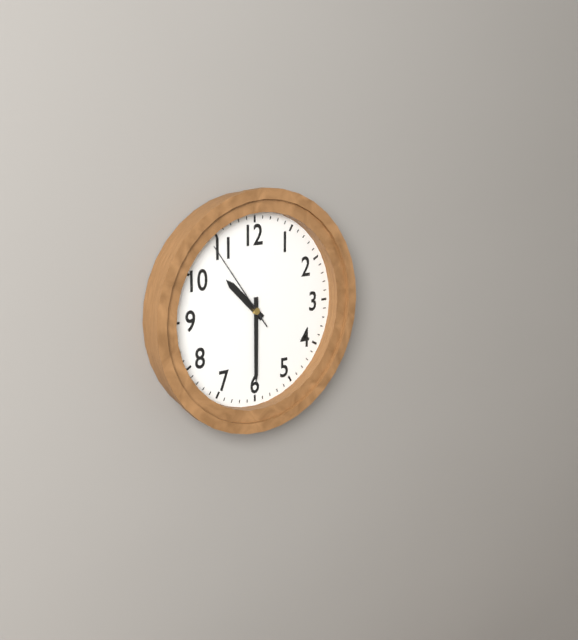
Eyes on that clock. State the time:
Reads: 10:30:54
